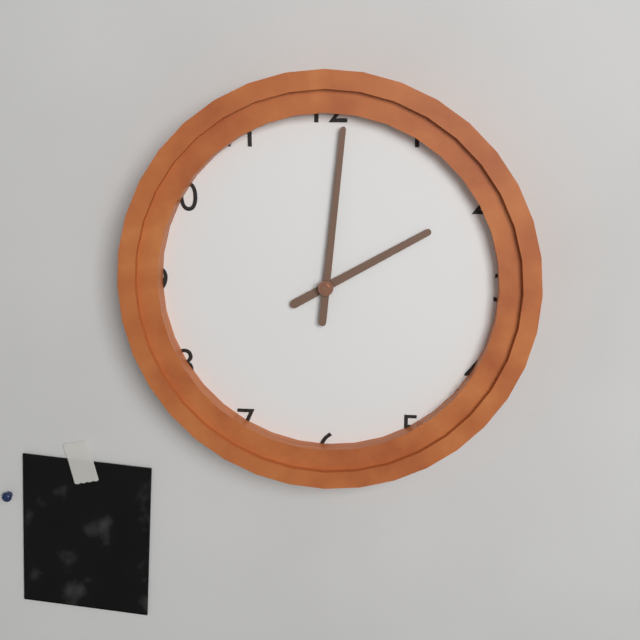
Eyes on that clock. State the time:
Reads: 2:01
